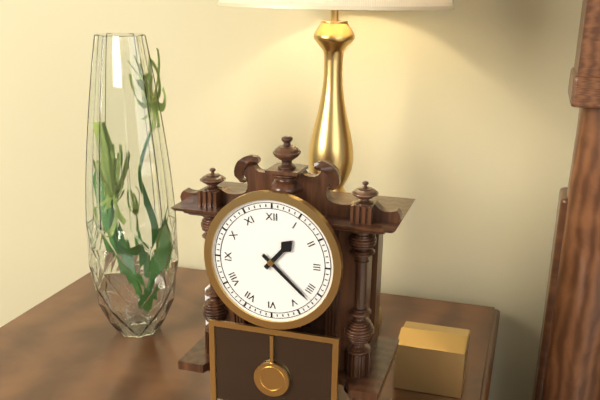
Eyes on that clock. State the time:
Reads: 1:22
